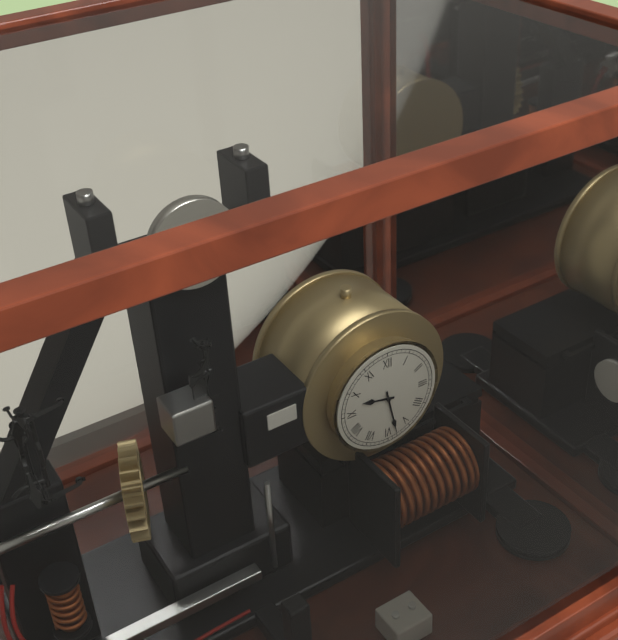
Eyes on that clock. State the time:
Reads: 9:28
